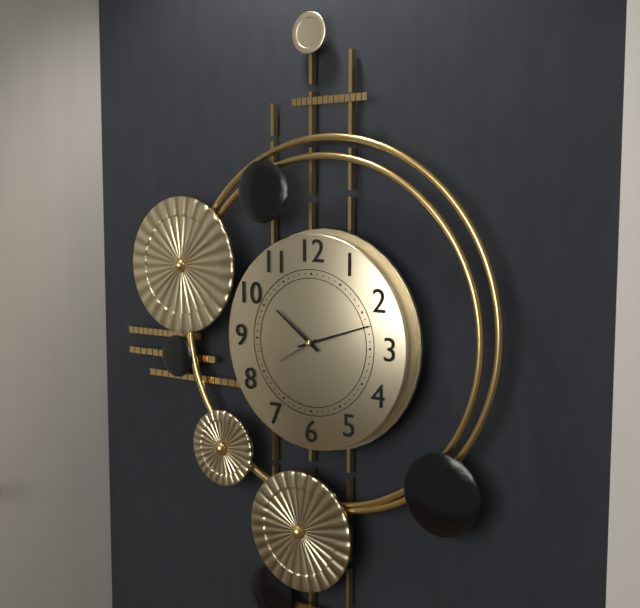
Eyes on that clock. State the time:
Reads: 10:12
